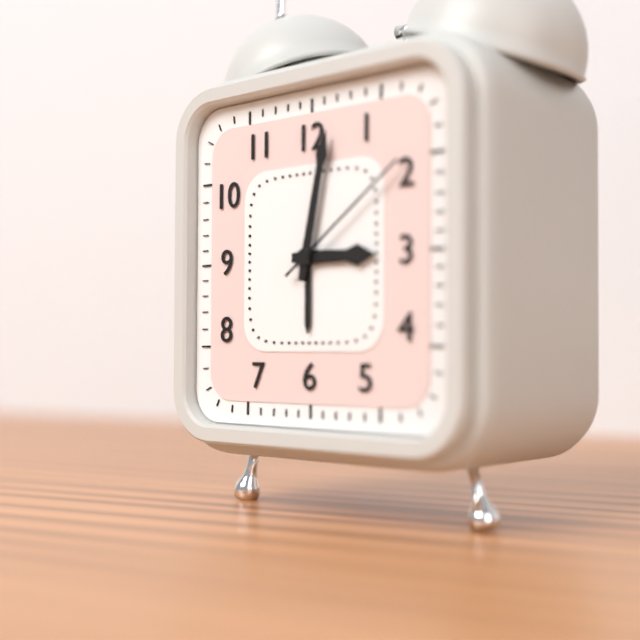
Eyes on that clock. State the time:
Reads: 3:02:09
